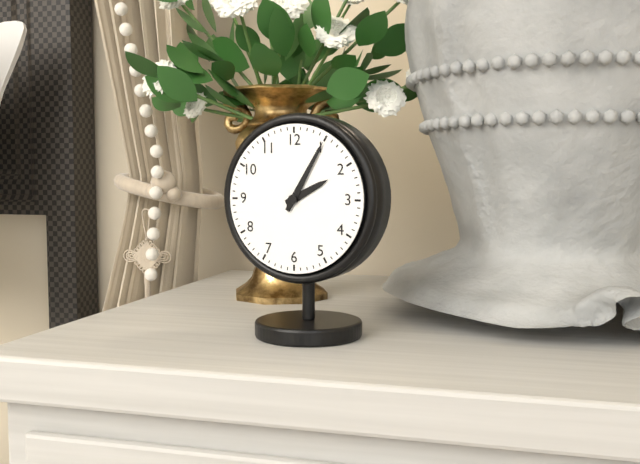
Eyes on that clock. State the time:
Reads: 2:05
